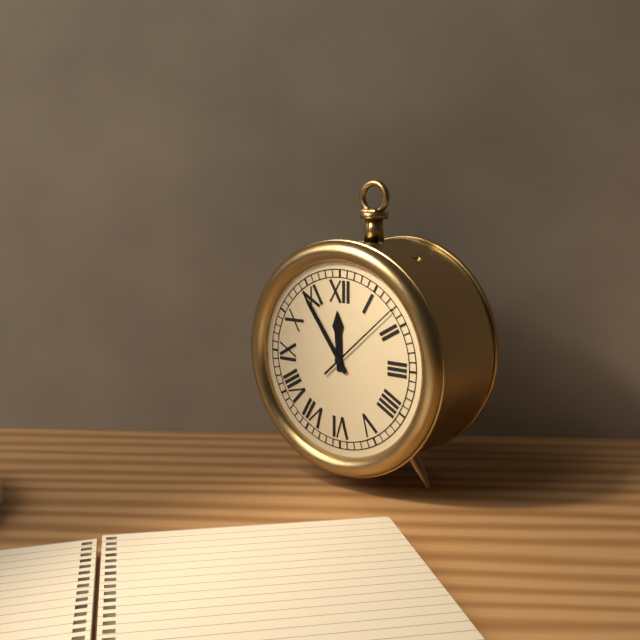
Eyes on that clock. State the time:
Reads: 11:54:08
